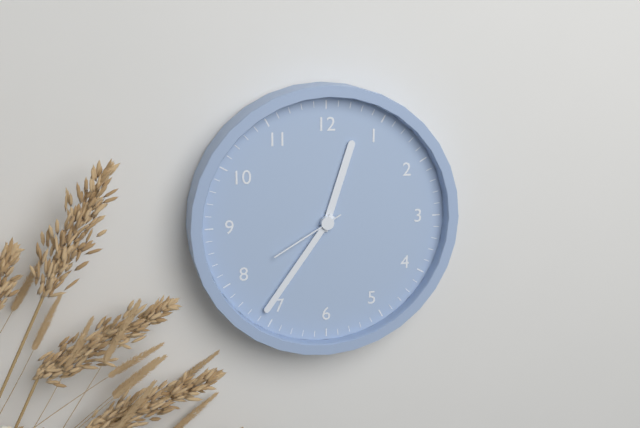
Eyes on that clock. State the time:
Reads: 12:36:40
